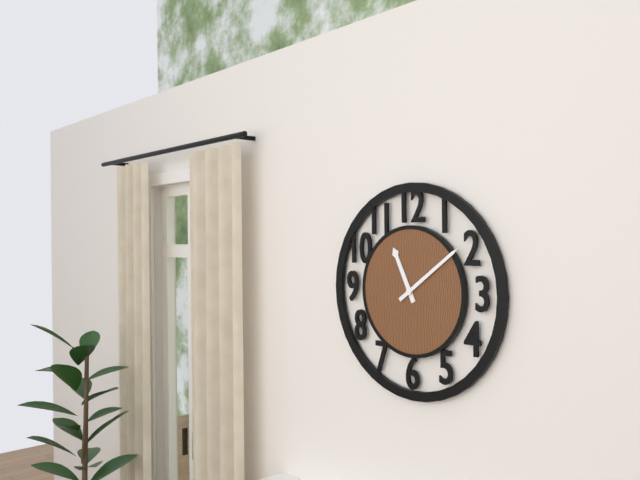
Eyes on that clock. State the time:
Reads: 11:09
